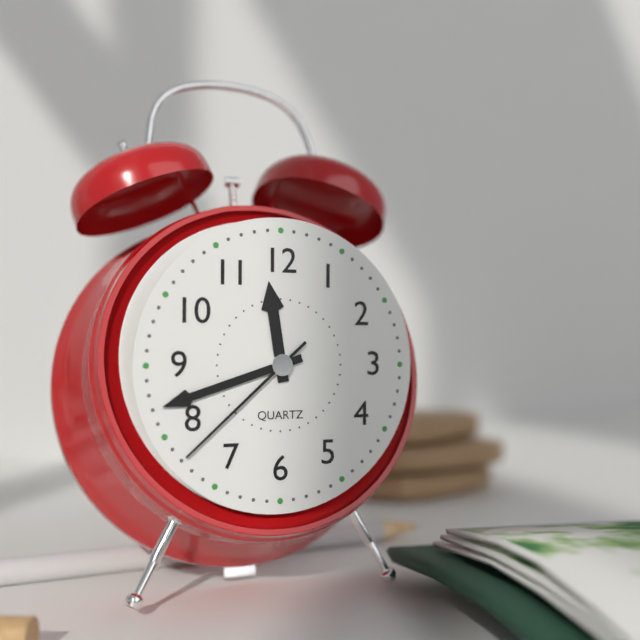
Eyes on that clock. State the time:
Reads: 11:42:38
